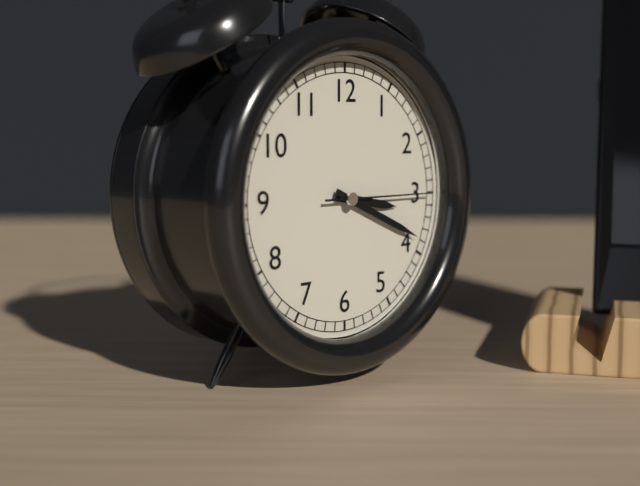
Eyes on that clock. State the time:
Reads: 3:19:15
